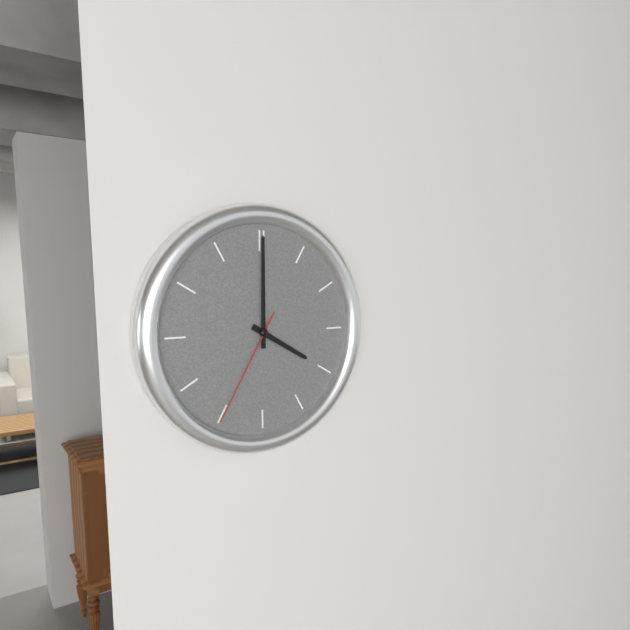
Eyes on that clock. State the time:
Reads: 4:00:35
